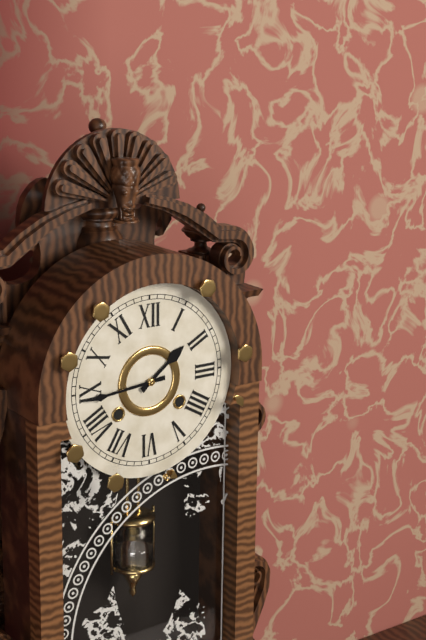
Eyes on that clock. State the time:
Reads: 1:44
